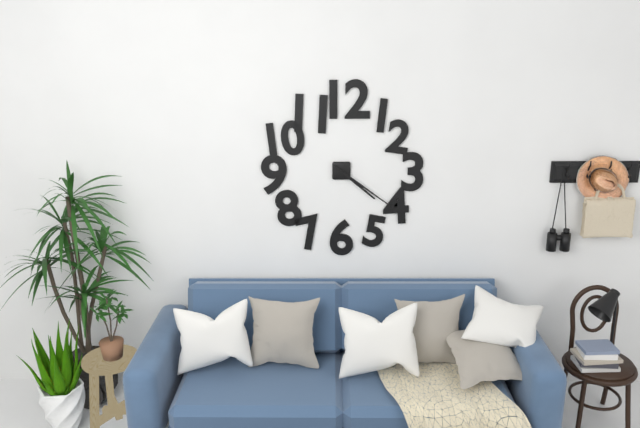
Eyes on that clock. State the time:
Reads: 4:21
